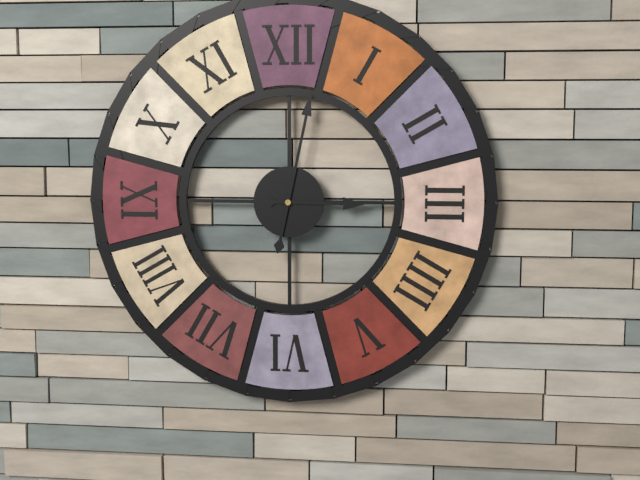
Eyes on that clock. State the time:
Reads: 3:02
